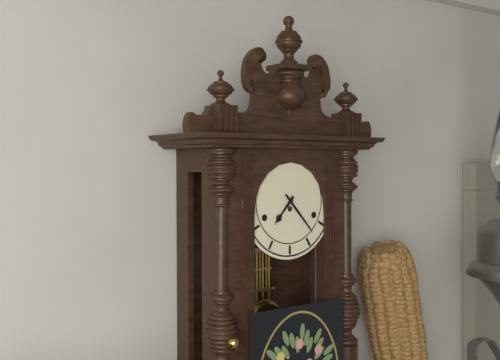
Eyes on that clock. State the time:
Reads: 7:23
